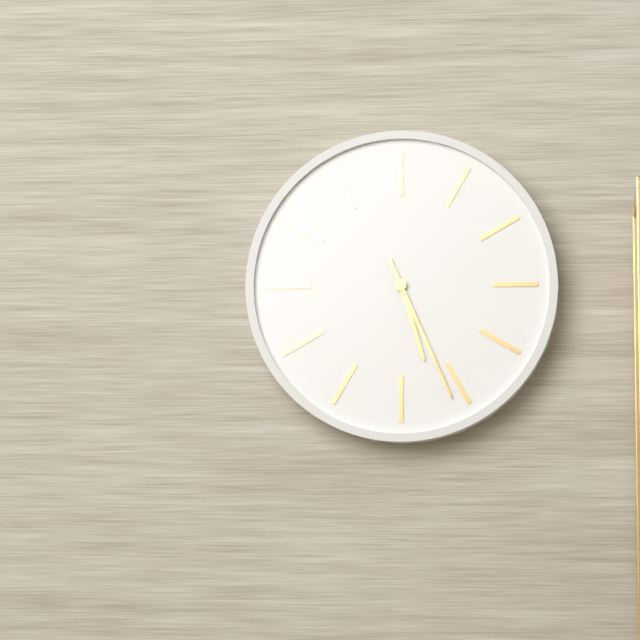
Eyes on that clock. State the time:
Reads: 5:26
